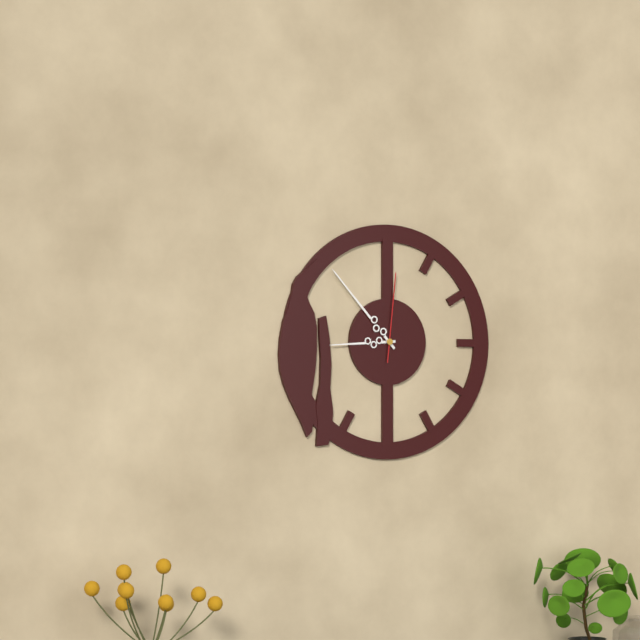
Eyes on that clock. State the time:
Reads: 8:53:01
